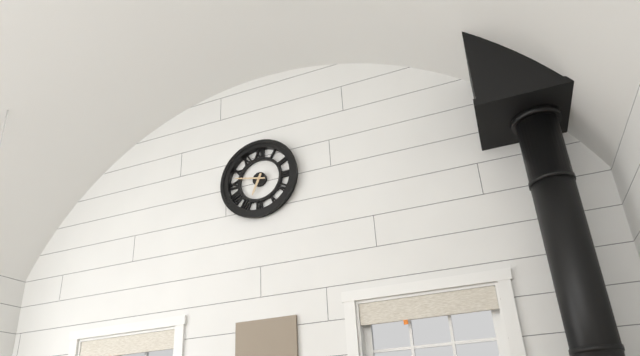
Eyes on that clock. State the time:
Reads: 6:47
